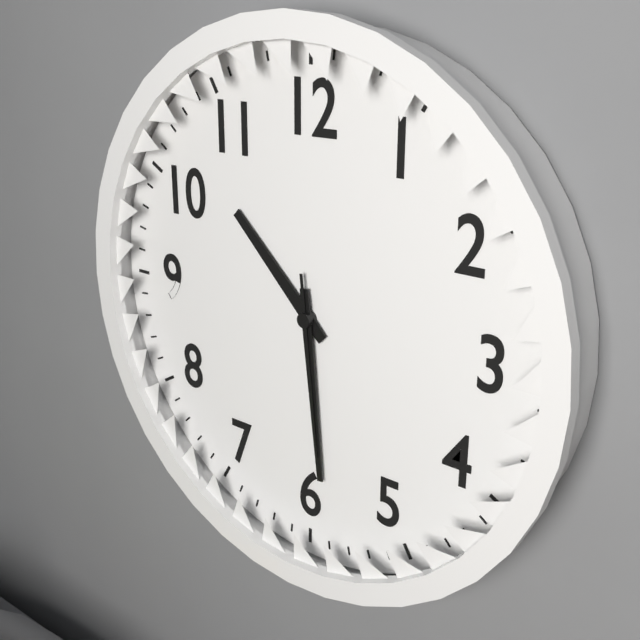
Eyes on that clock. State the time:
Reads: 10:29:29
